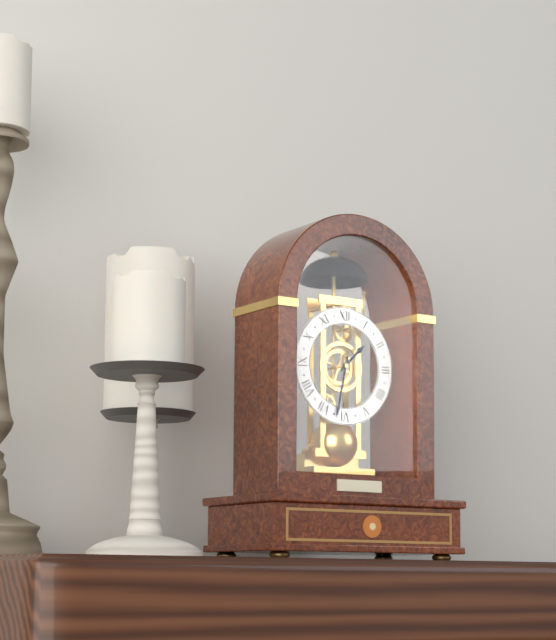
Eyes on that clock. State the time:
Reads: 1:32
